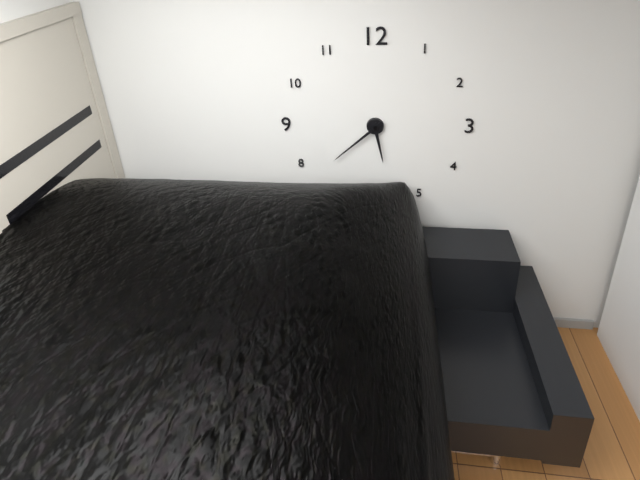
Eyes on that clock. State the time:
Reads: 5:38
